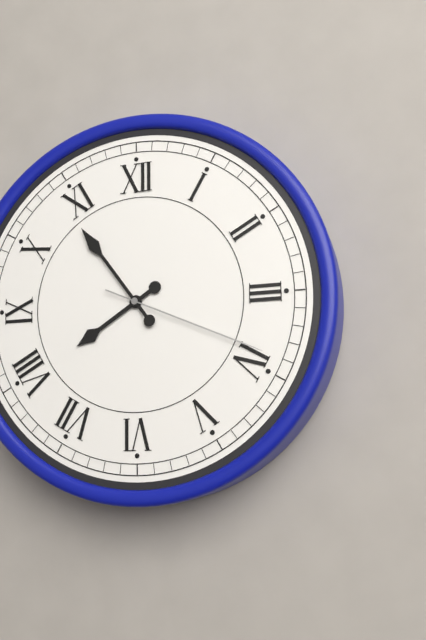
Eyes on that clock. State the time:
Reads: 7:54:19
